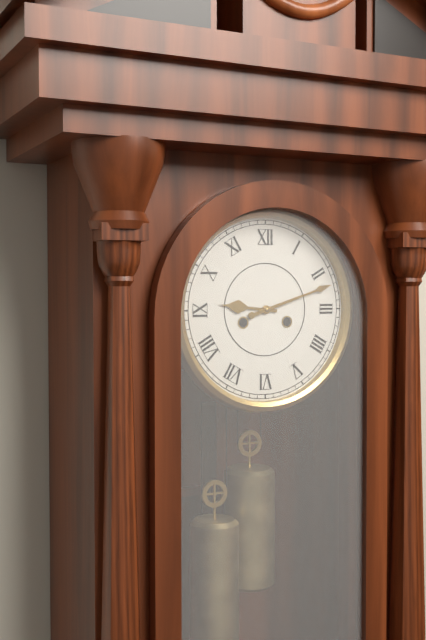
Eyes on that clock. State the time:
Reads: 9:12
